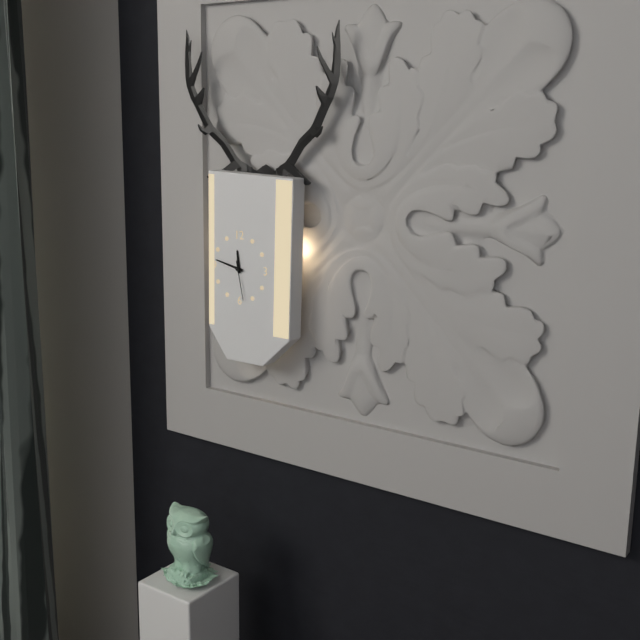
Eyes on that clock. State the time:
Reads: 11:47
